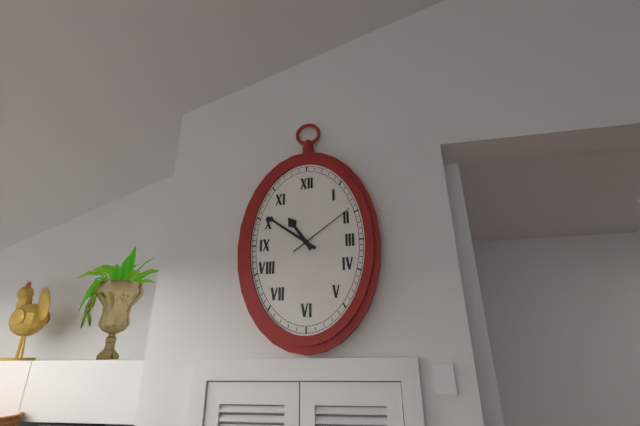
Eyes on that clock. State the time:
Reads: 10:51:09
